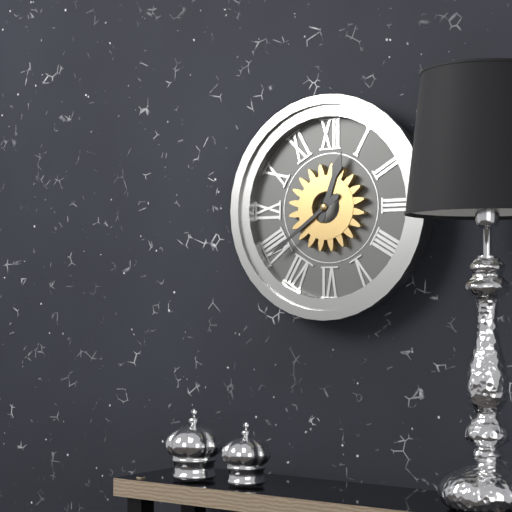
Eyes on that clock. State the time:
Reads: 12:39
